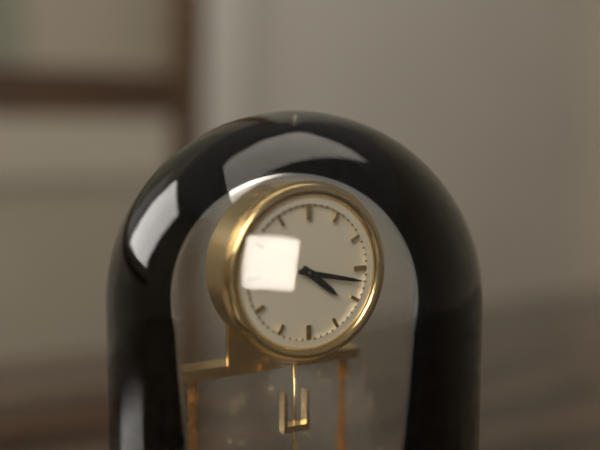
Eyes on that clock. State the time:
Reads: 4:17
